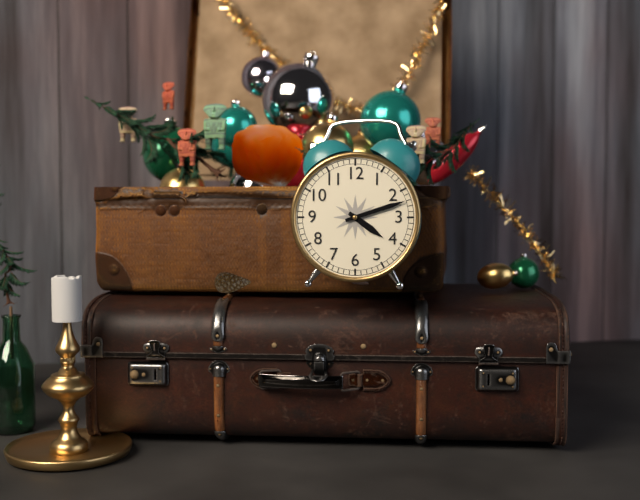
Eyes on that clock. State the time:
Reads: 4:12
